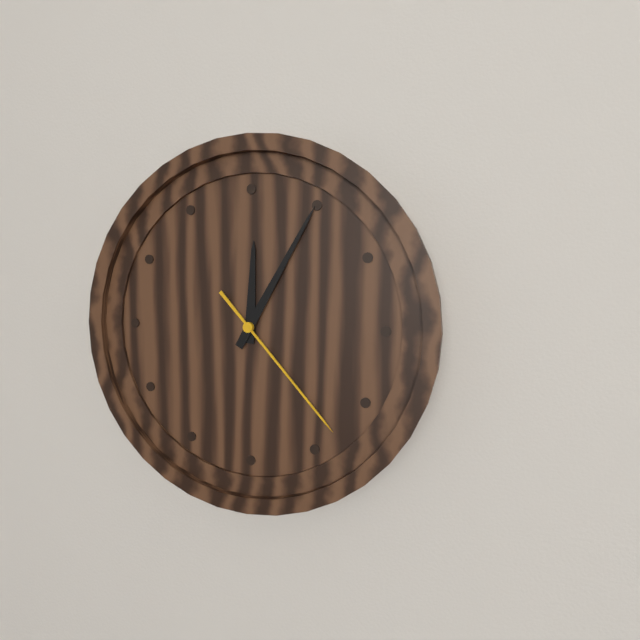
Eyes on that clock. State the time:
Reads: 12:05:23
